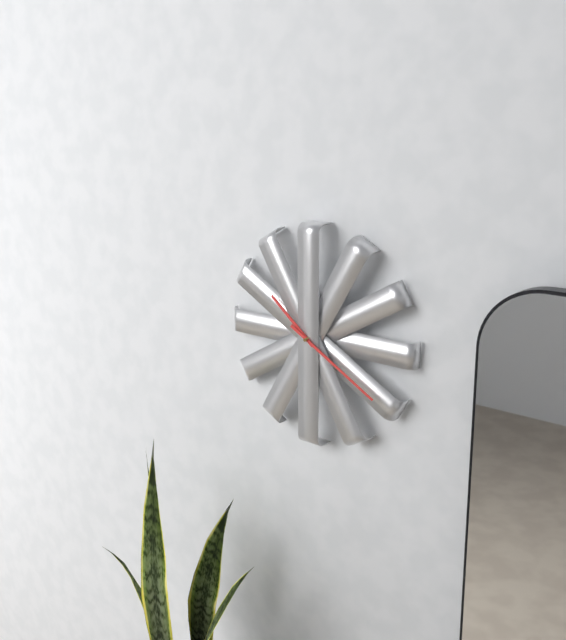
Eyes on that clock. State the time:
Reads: 10:20
